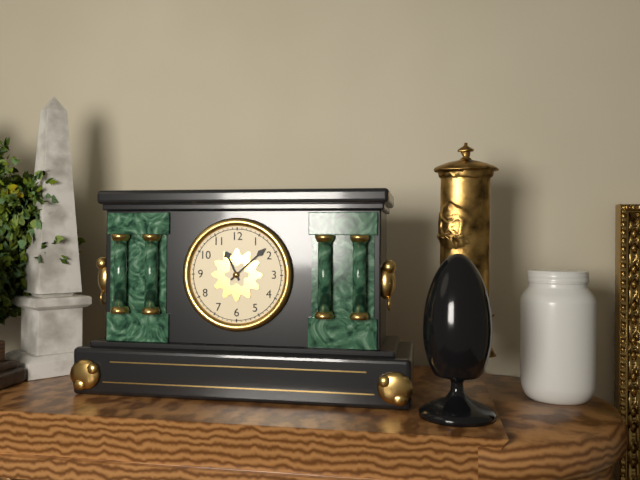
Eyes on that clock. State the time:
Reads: 11:08
